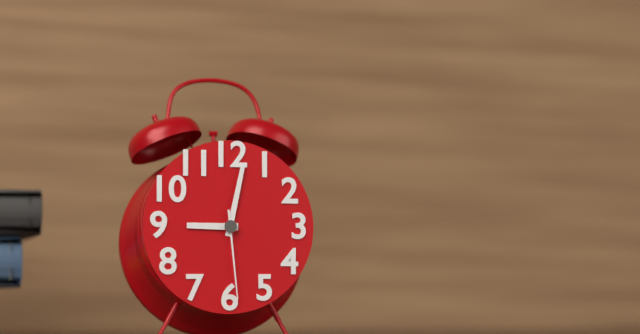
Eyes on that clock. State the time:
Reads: 9:02:29
